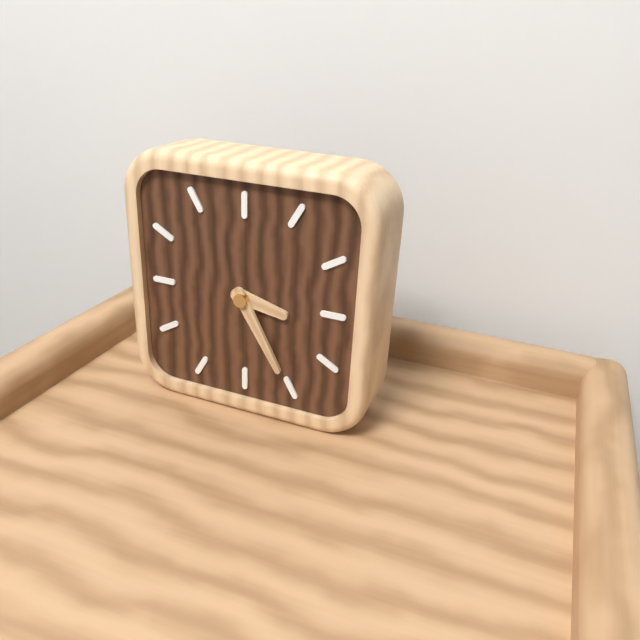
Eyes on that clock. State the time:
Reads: 3:25
